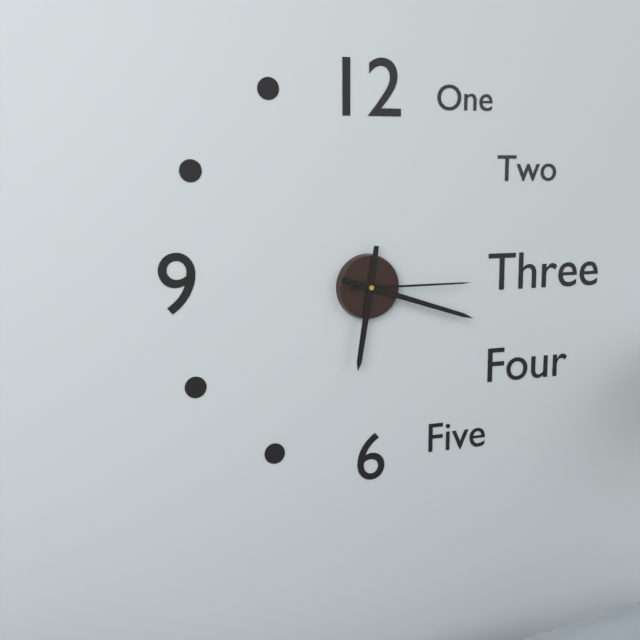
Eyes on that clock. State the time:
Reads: 6:18:15
